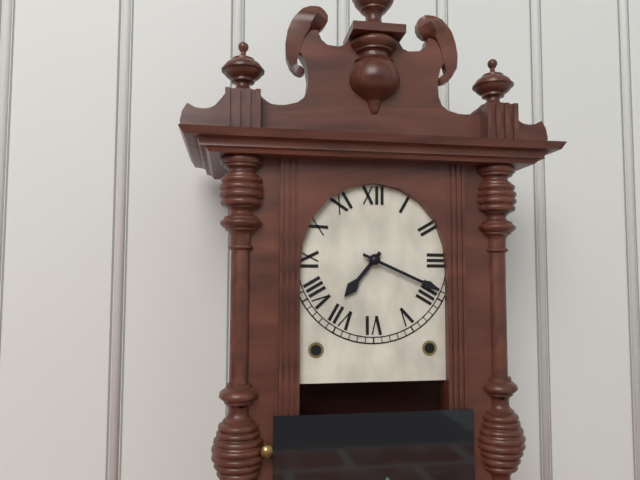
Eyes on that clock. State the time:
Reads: 7:19
